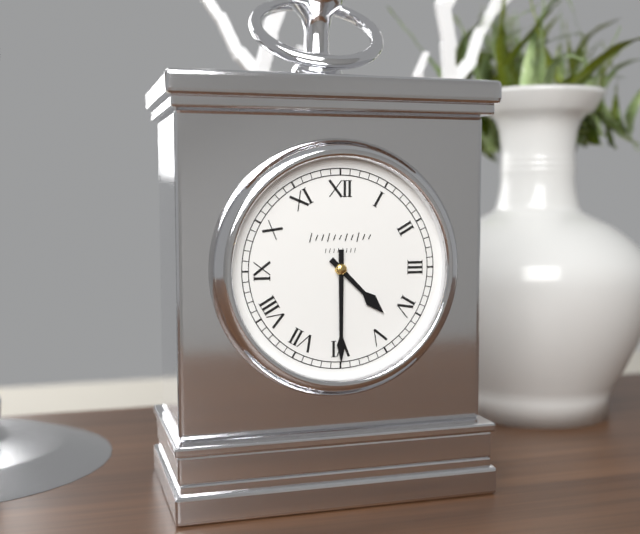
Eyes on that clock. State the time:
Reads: 4:30
